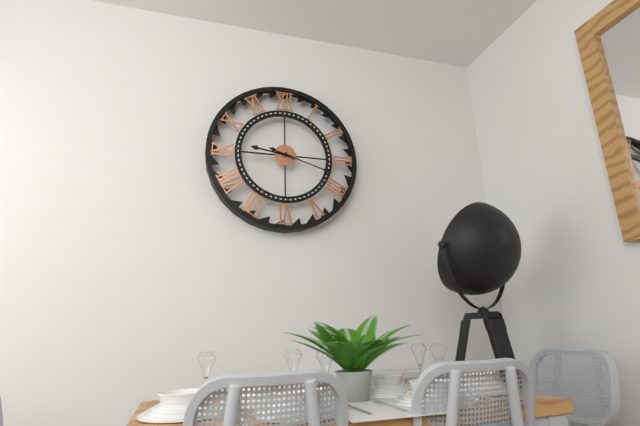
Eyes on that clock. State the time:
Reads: 9:18
